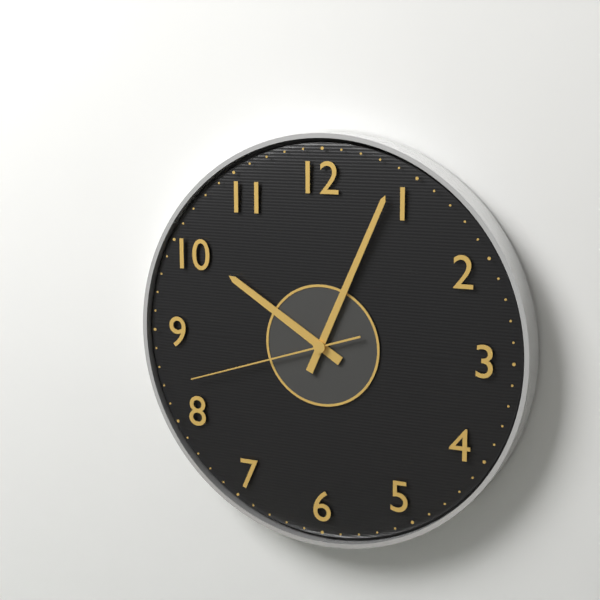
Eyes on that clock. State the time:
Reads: 10:04:42
